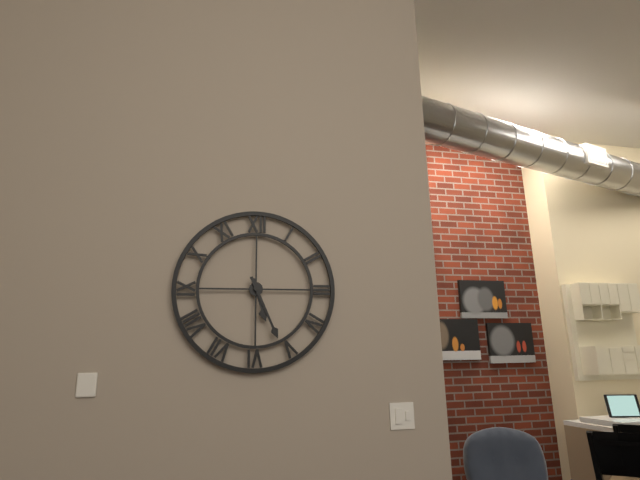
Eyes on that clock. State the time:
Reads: 5:26
